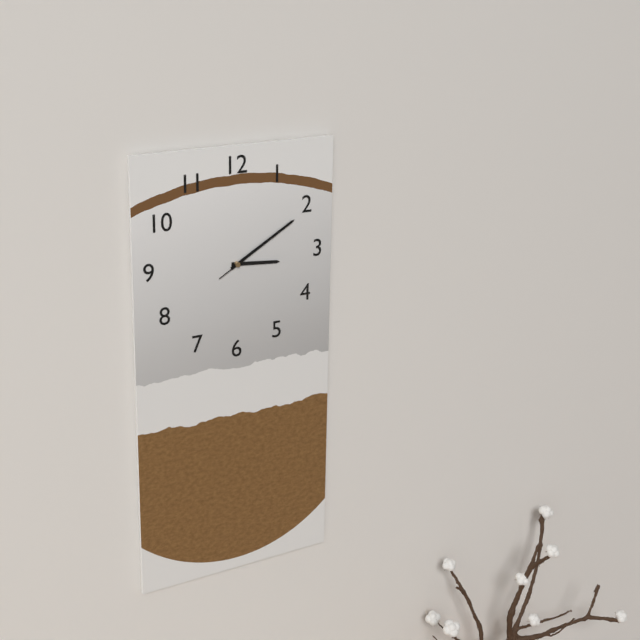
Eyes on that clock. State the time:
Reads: 3:10:10
